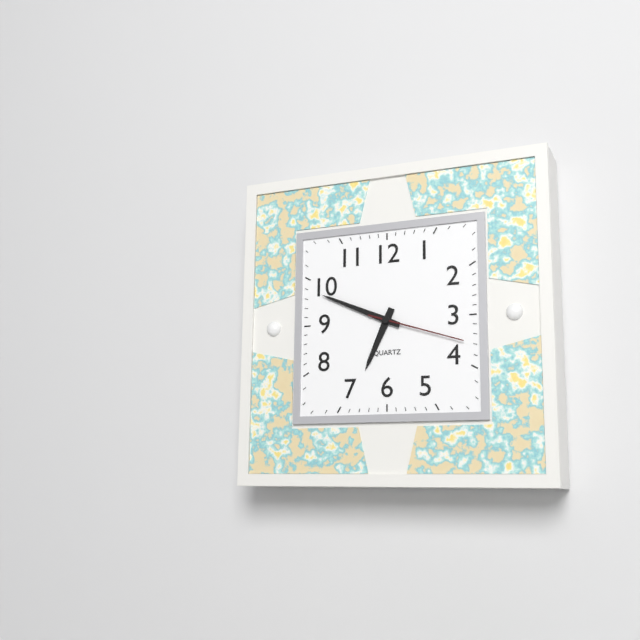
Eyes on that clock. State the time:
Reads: 6:49:18
